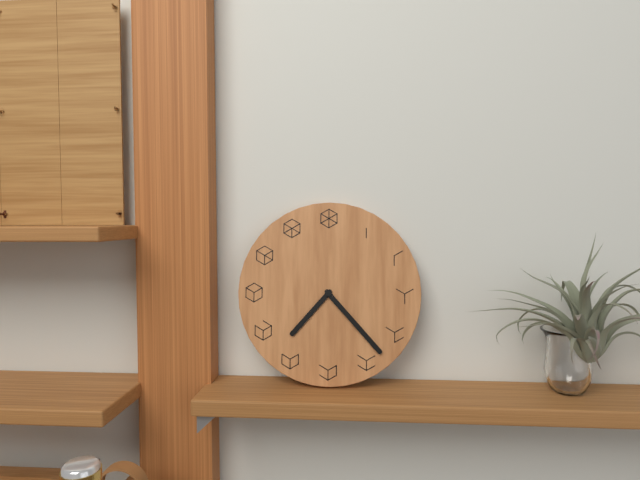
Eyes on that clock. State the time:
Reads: 7:23
